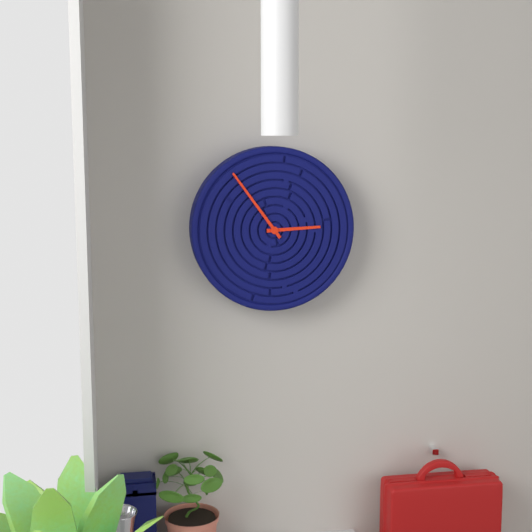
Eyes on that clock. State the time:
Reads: 2:54
